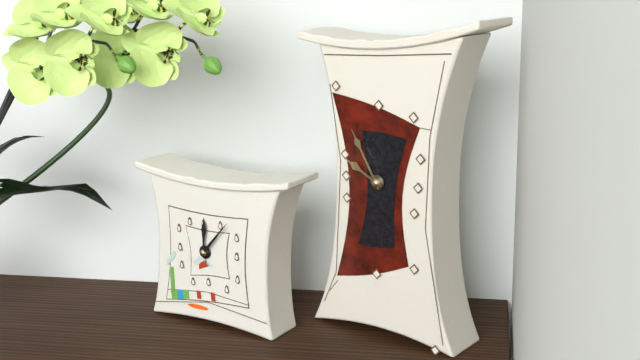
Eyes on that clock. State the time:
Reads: 9:55
